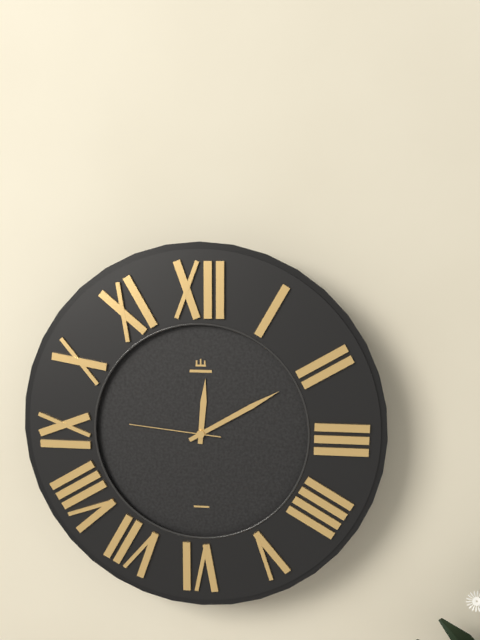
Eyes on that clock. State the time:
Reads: 12:10:46
